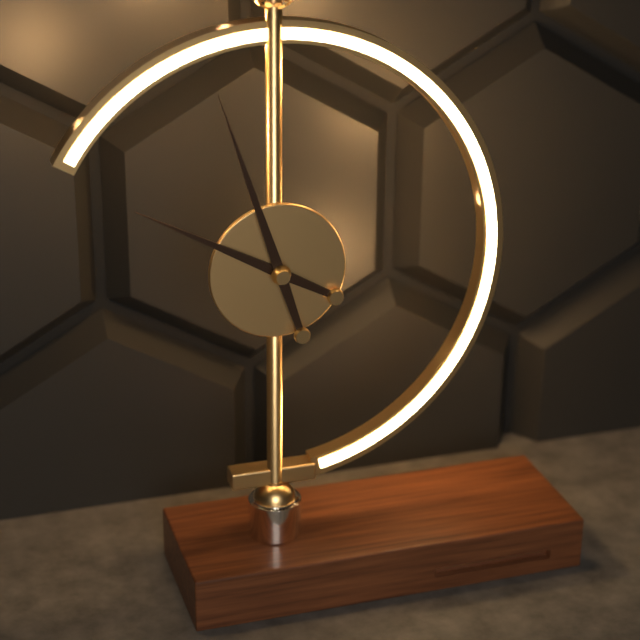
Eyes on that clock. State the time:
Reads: 9:57
